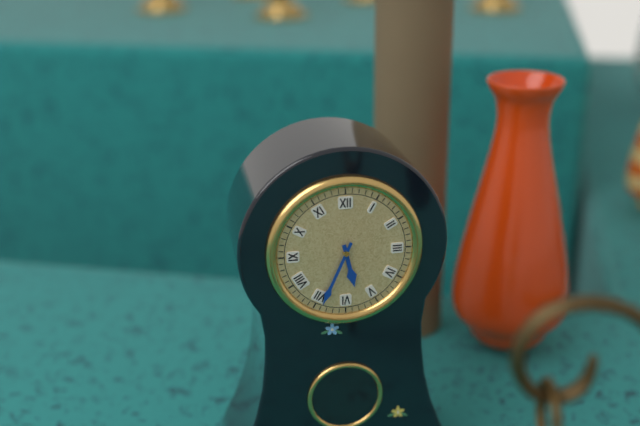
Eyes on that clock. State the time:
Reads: 5:34
